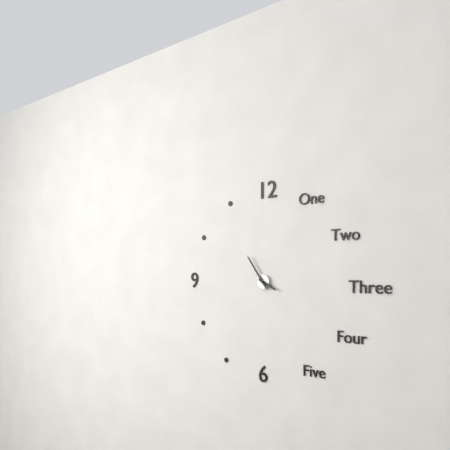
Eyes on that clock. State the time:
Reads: 3:54
